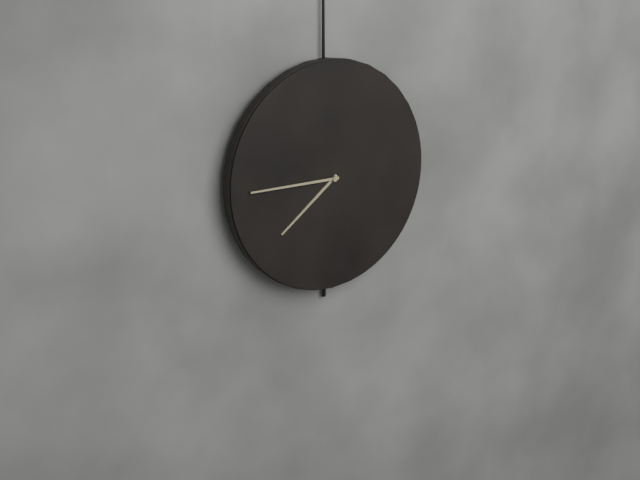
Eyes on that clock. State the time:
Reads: 7:45
